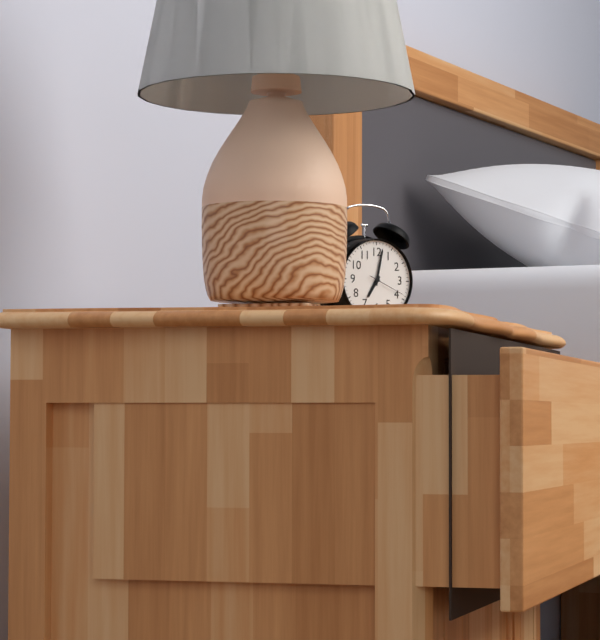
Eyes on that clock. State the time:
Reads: 7:02
